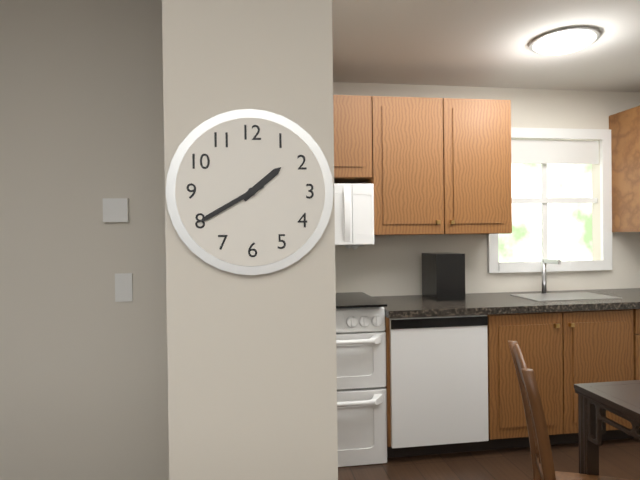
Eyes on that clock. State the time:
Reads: 1:40
